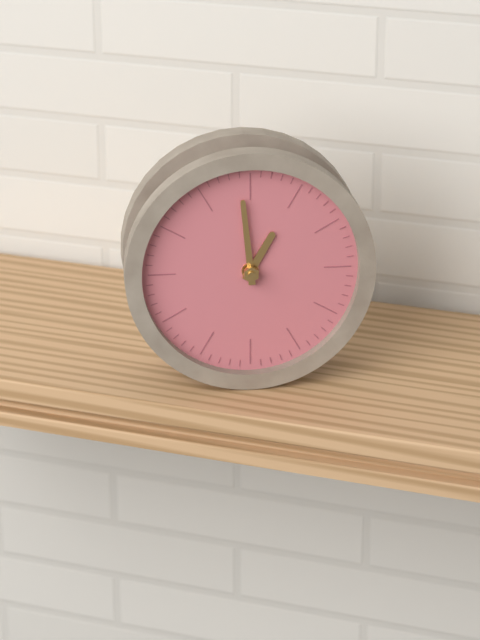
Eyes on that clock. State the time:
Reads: 12:59
